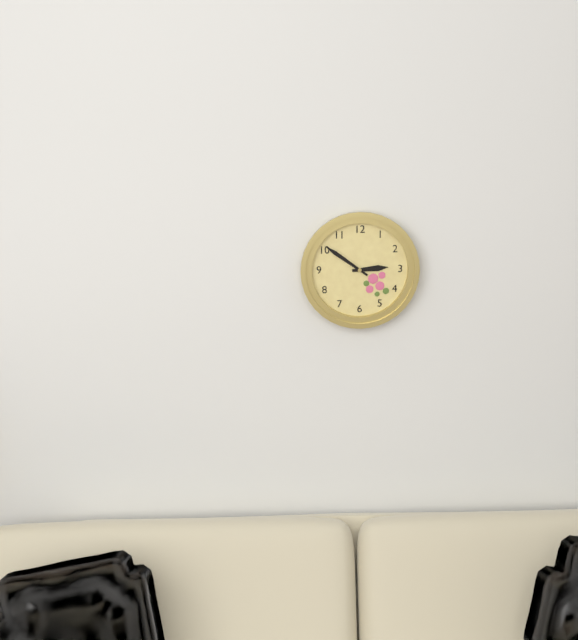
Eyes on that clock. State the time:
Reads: 2:51
